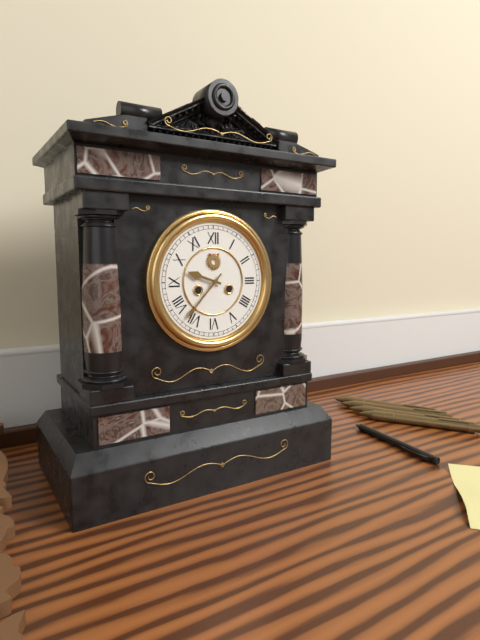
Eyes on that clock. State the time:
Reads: 9:37
